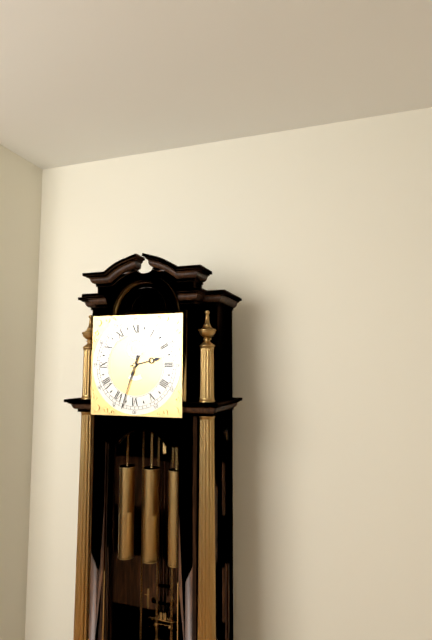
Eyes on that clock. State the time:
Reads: 2:33
